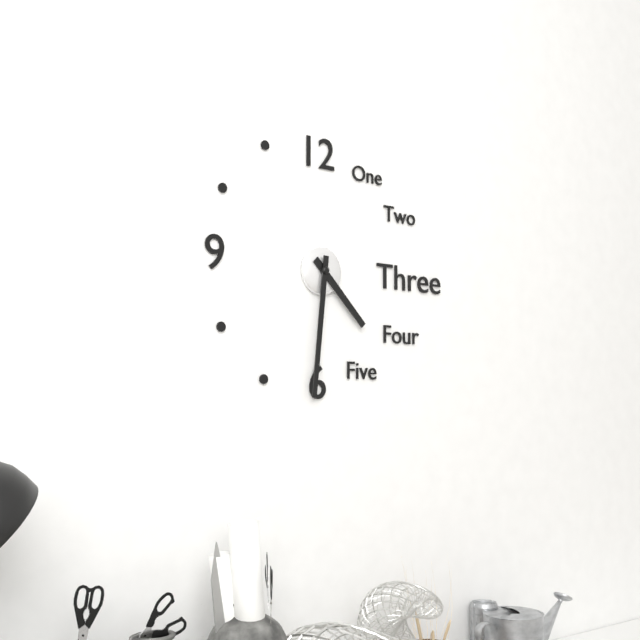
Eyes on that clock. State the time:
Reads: 4:31
